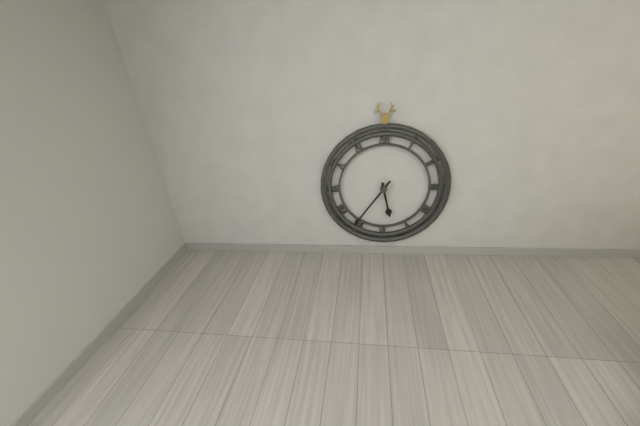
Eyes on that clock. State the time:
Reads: 5:36
